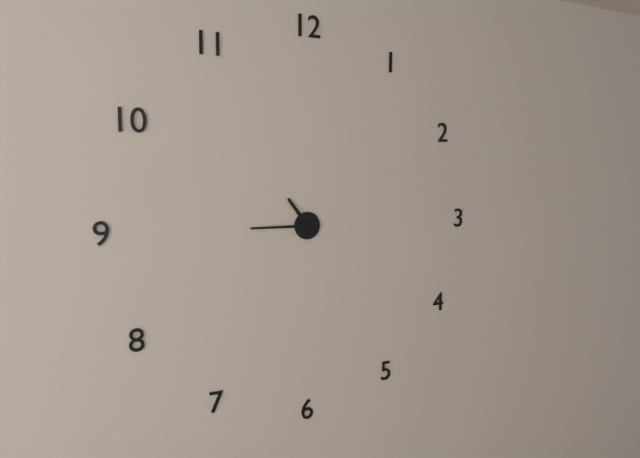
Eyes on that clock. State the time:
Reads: 10:45
